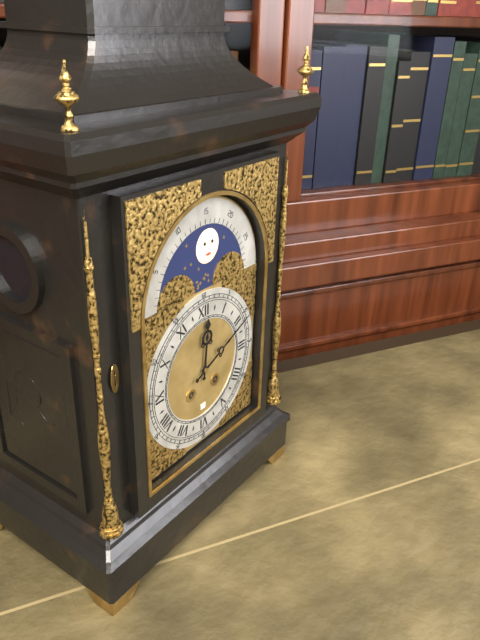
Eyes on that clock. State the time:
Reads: 12:11
